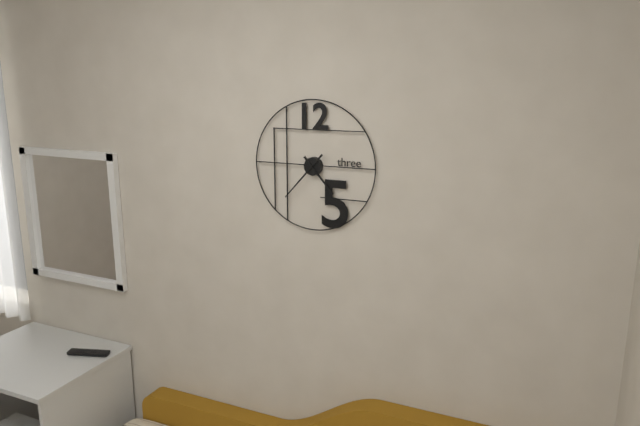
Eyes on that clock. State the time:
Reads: 4:37
